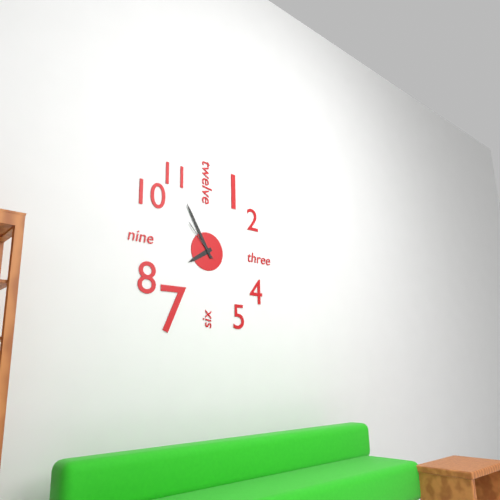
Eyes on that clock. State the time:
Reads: 7:55
